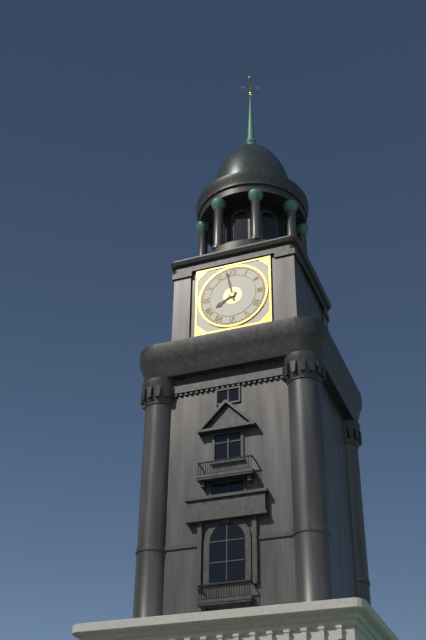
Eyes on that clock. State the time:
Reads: 7:58
